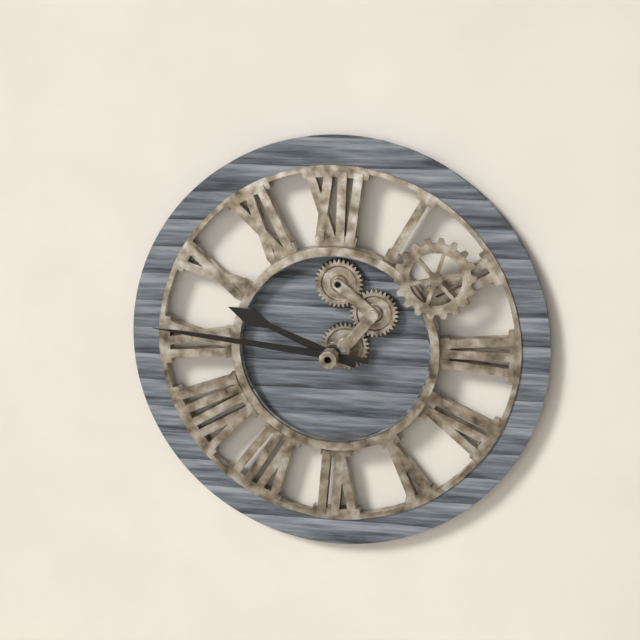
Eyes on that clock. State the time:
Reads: 9:46
